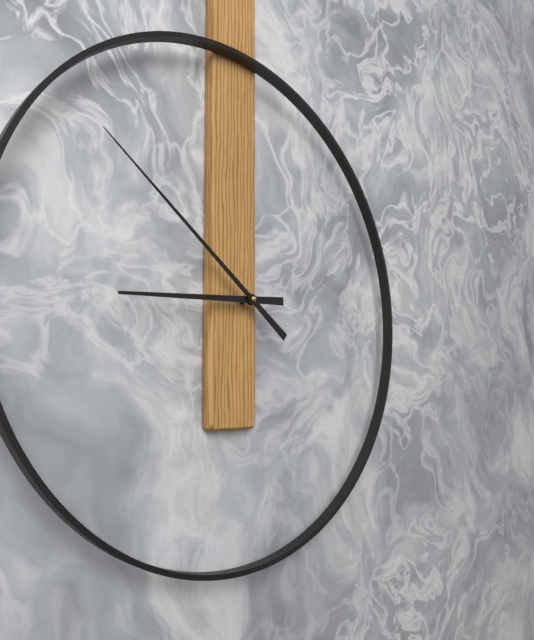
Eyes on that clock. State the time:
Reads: 8:51
